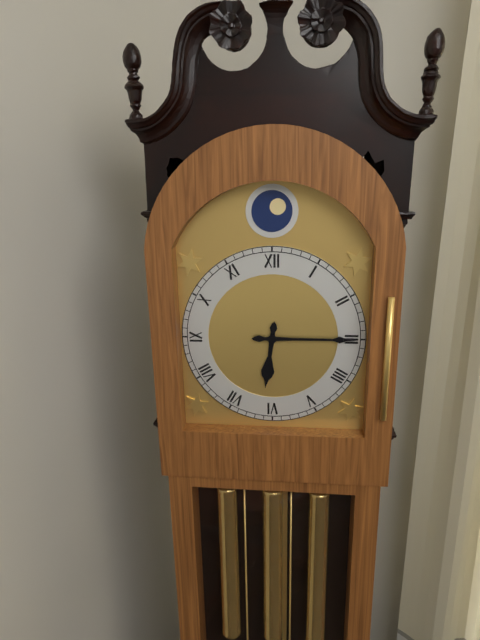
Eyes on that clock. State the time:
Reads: 6:15
